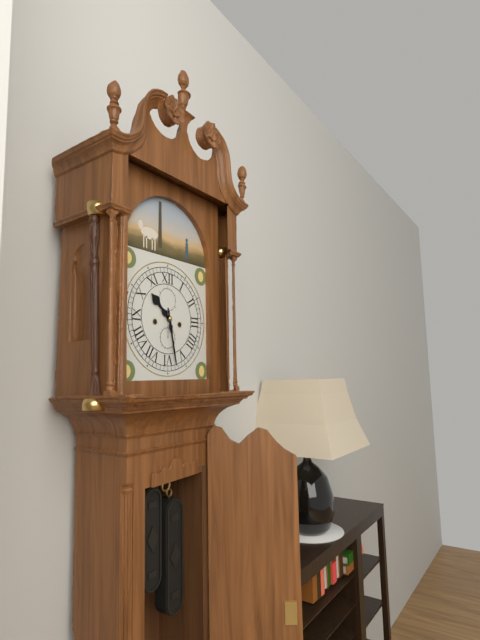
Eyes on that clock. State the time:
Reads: 10:28
